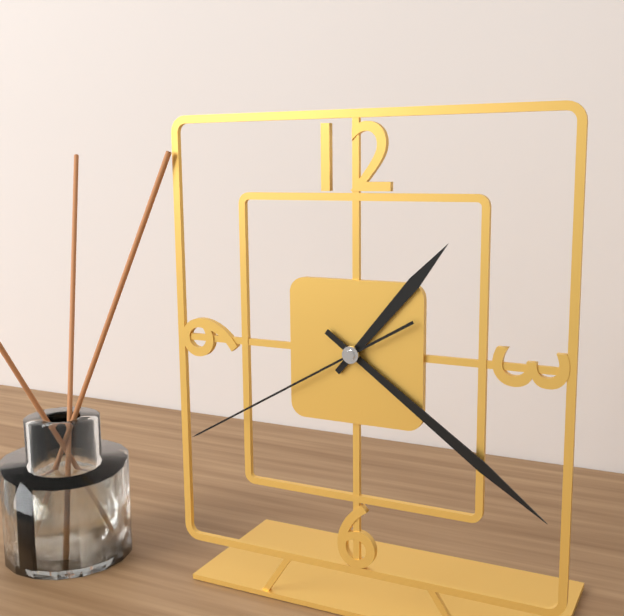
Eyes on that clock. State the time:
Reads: 1:21:40
